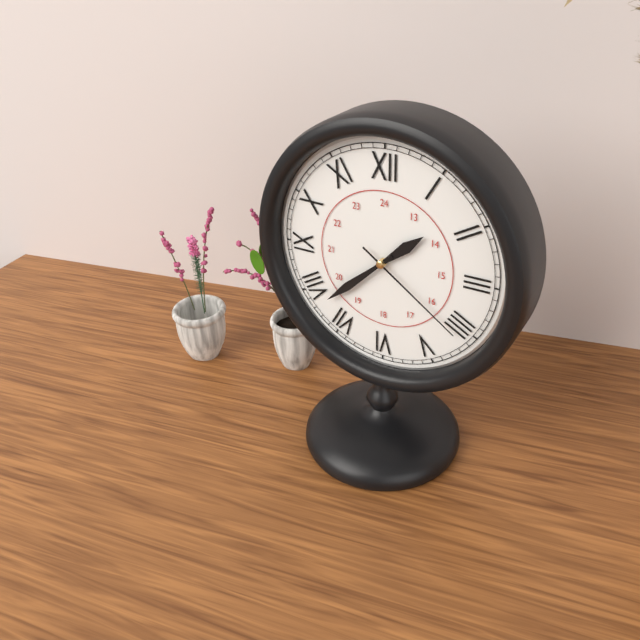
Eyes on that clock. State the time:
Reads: 1:38:21
